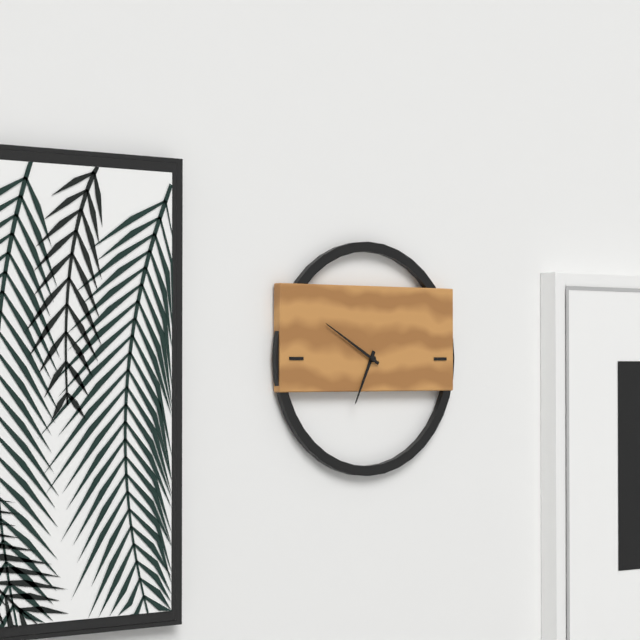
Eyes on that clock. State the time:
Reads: 6:50
